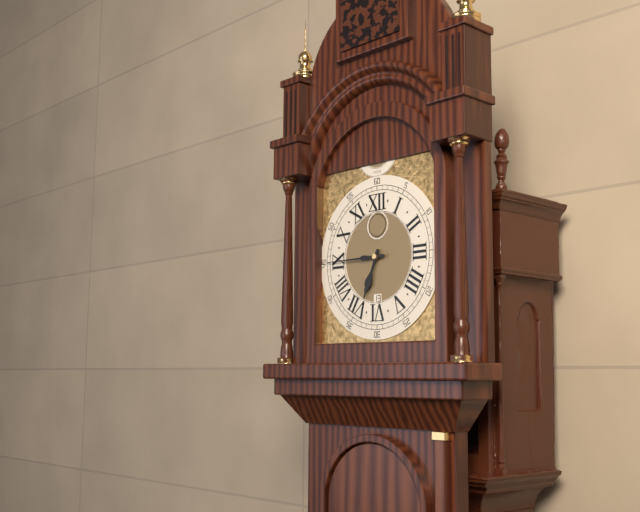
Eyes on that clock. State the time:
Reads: 6:45
